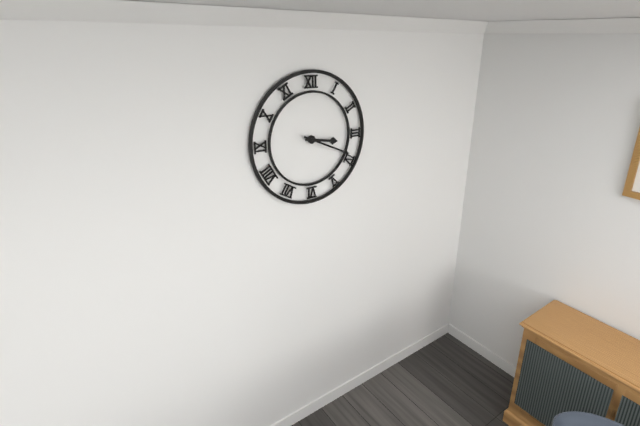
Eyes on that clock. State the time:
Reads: 3:19
